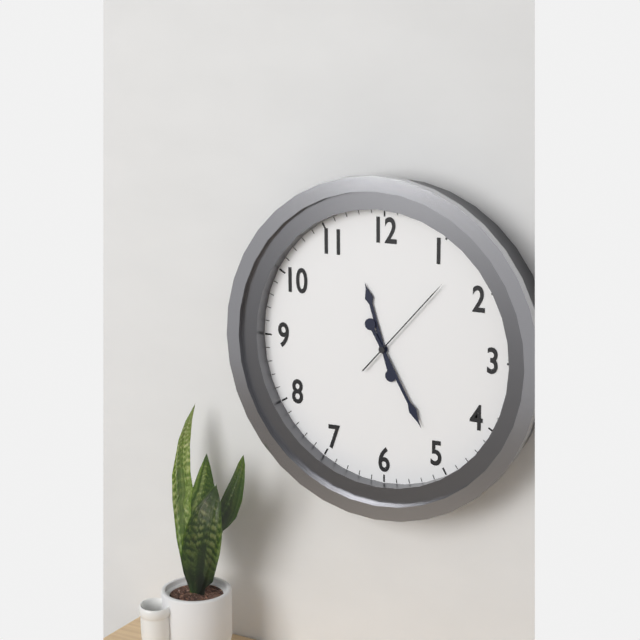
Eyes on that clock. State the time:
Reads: 11:25:07
